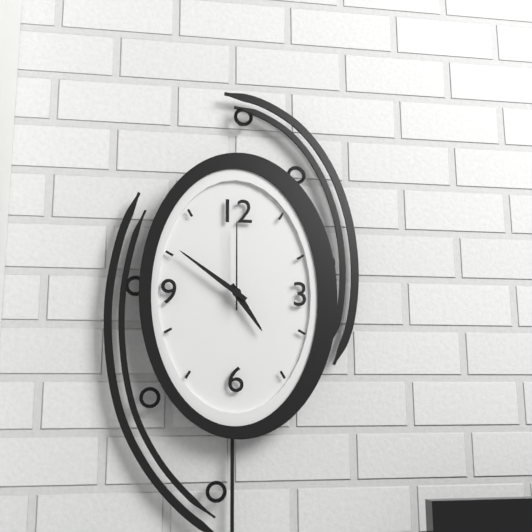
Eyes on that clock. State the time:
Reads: 4:51:00
